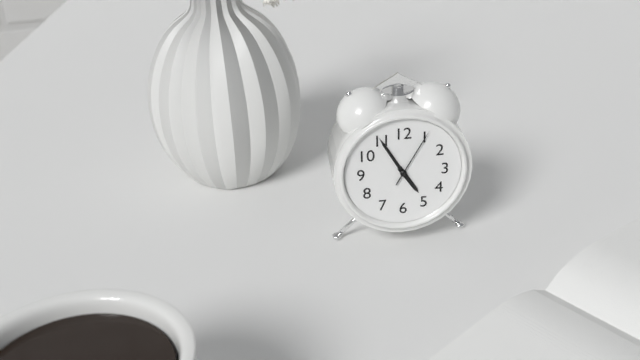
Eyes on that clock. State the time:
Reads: 4:55:05
